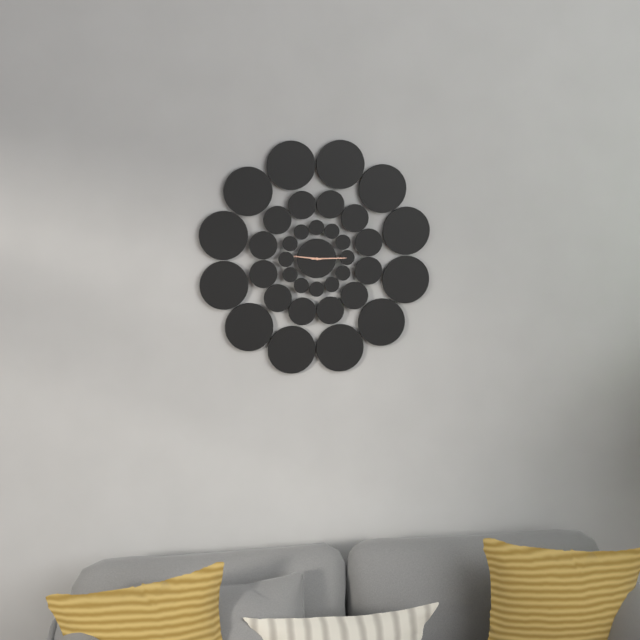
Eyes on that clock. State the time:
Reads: 9:15
